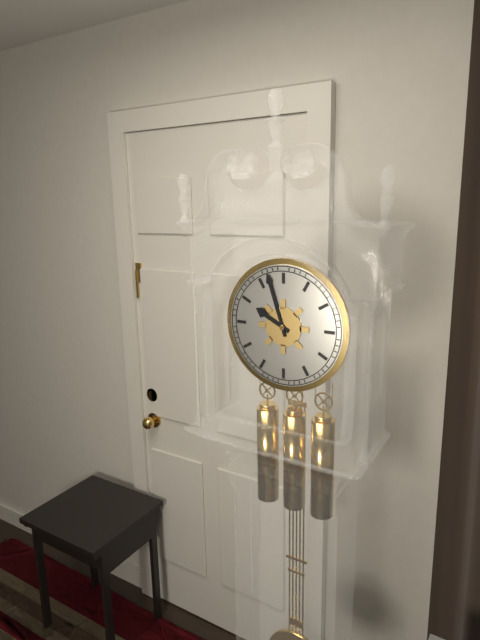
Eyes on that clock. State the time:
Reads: 9:57
